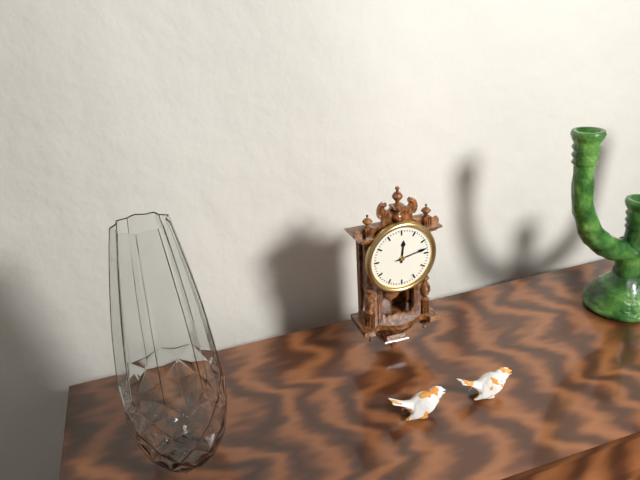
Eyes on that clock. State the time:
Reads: 12:13
